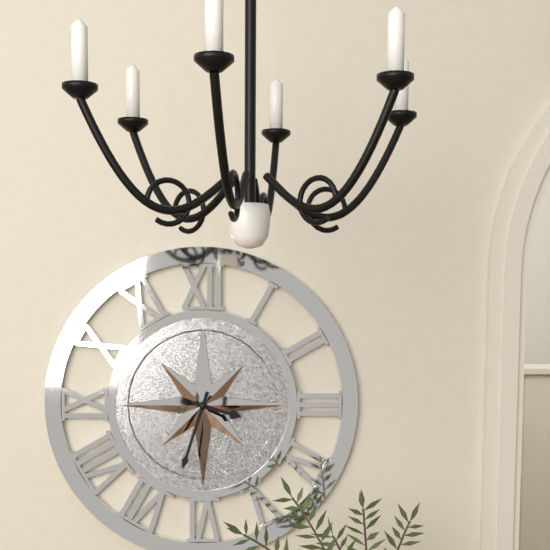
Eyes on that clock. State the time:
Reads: 3:33
